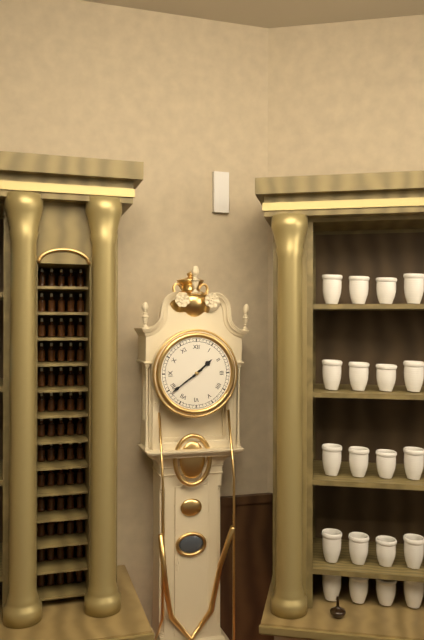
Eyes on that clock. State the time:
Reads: 1:39
